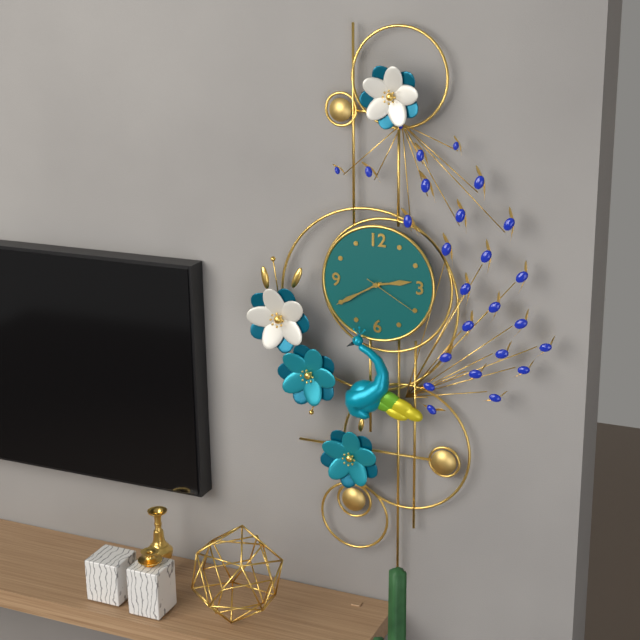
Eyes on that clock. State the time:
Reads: 2:40:20
